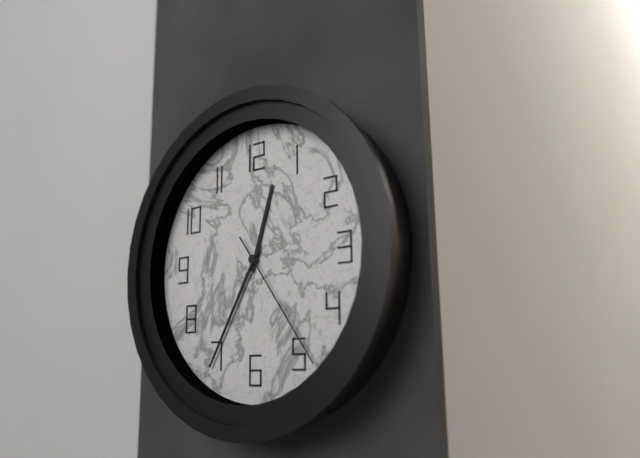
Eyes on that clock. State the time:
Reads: 12:35:24
